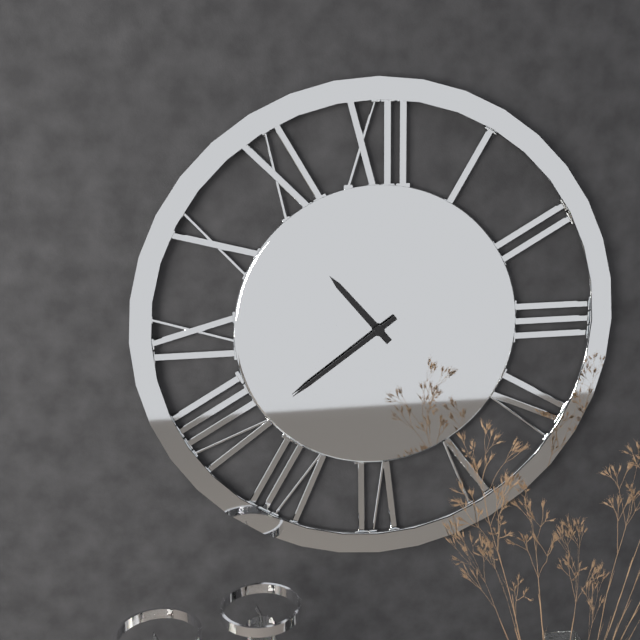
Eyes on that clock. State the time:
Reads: 10:39
